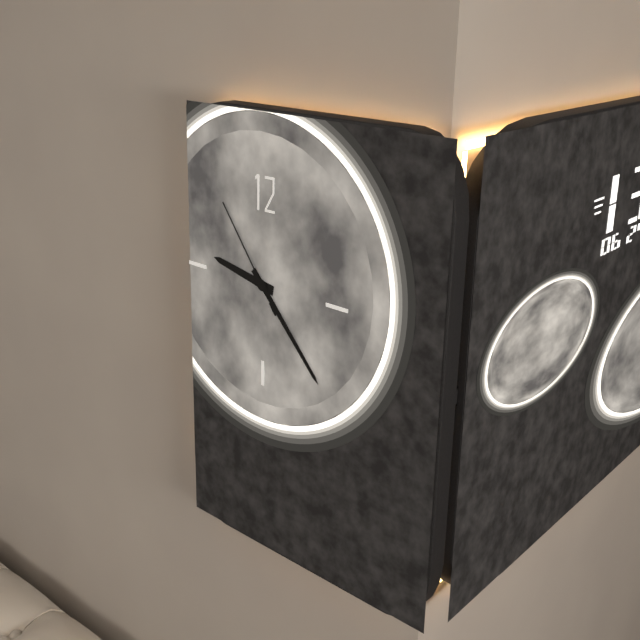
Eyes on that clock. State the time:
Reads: 9:23:54
